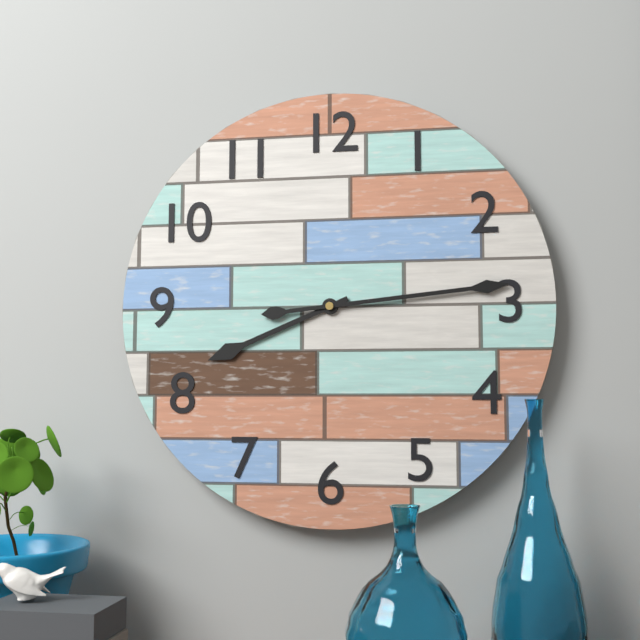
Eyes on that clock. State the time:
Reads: 8:14
